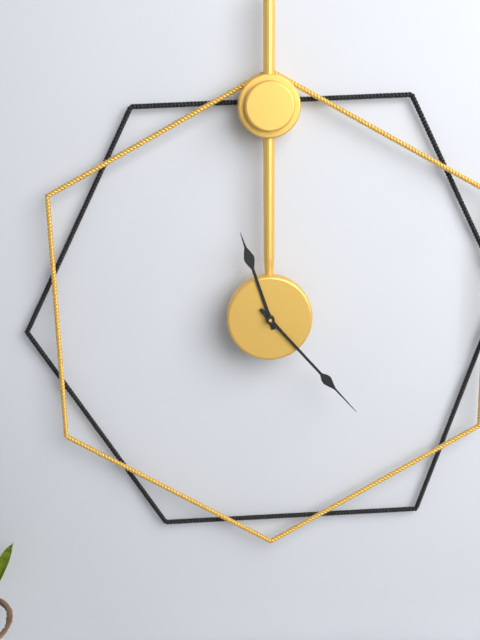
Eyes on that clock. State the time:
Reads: 11:23
